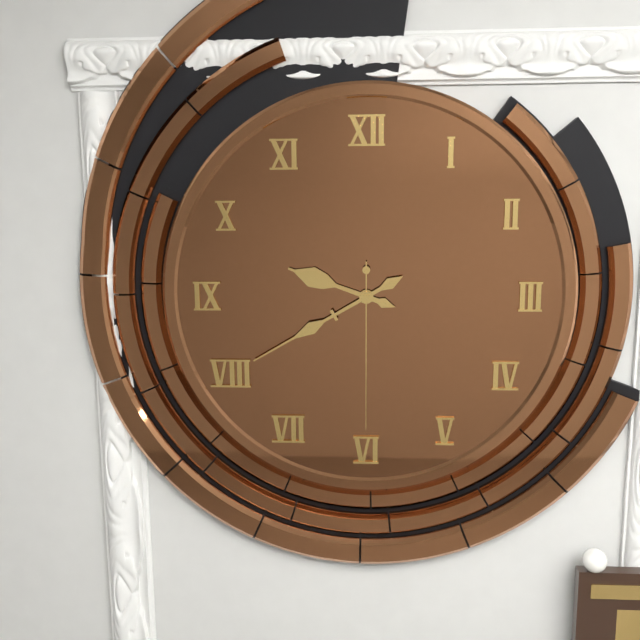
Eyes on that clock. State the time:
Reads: 9:40:30
